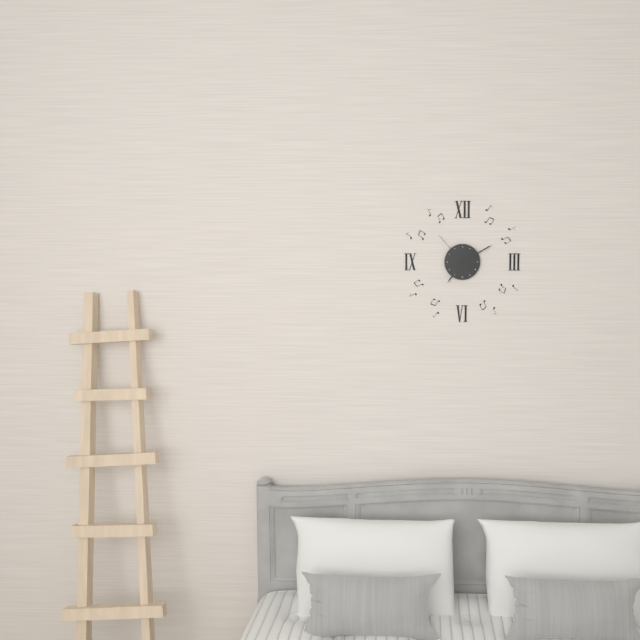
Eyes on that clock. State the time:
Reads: 7:10
